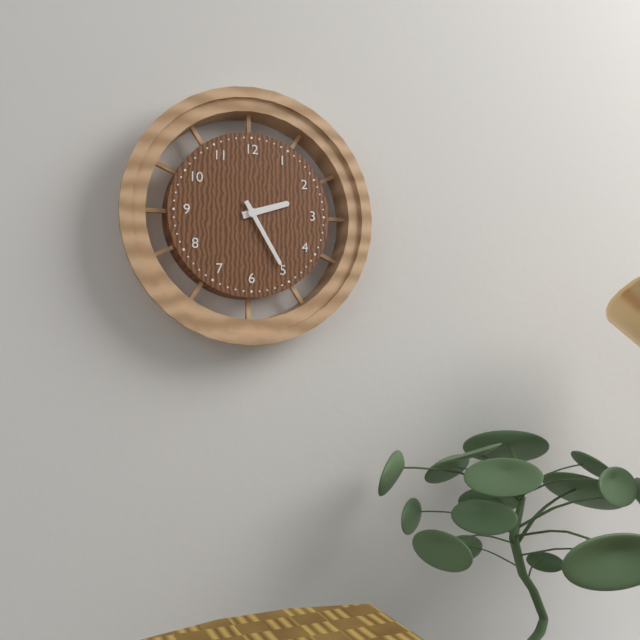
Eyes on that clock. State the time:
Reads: 2:25
